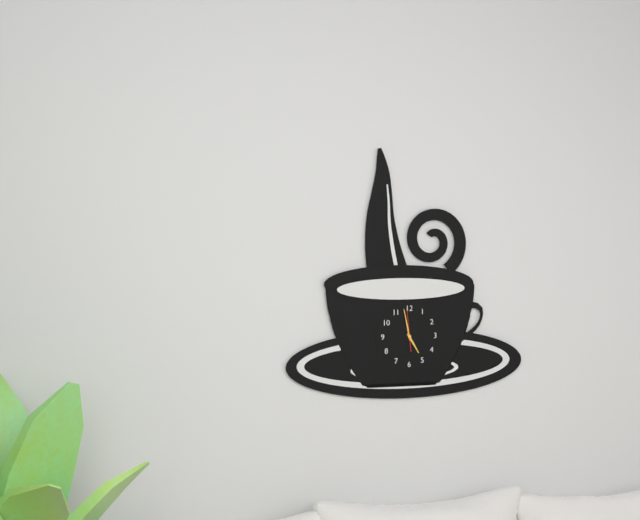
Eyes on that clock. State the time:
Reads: 4:58
